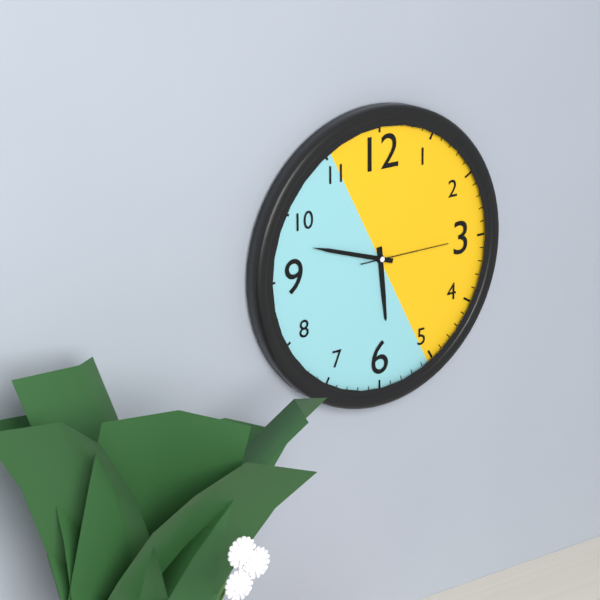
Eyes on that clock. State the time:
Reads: 5:48:15
